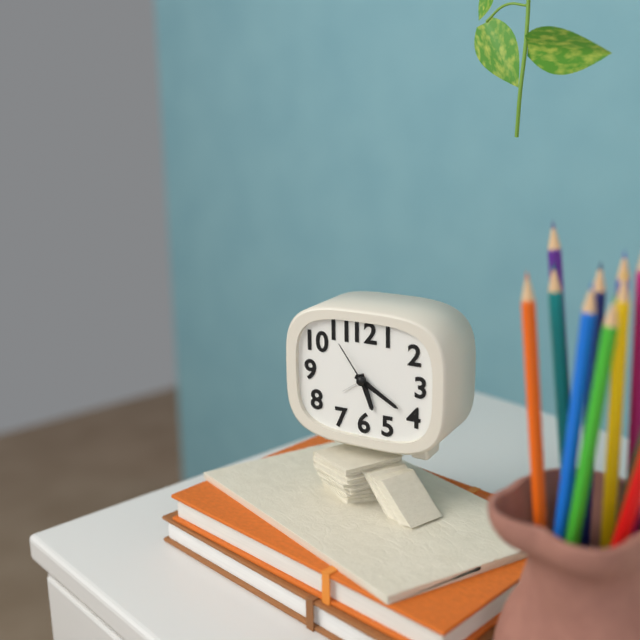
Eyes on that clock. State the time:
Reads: 5:20:54
